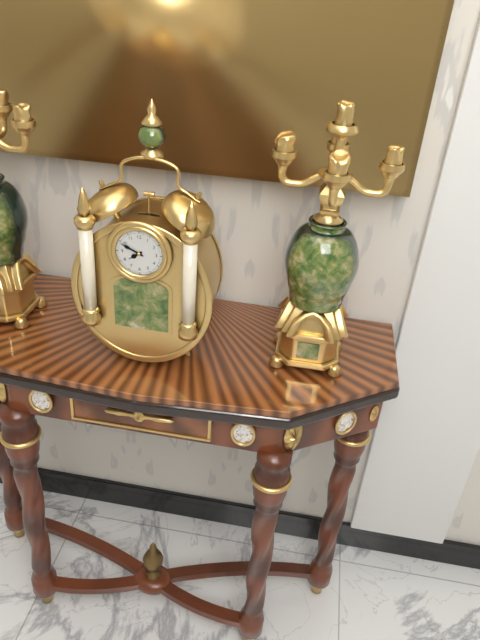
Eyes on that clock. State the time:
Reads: 7:49
